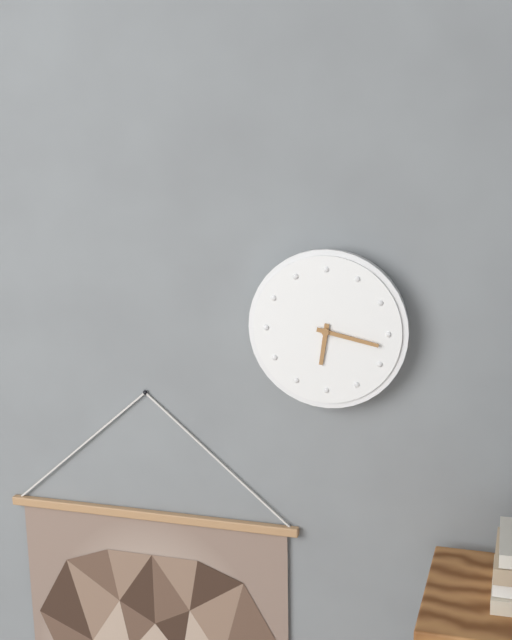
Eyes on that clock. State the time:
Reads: 6:17
